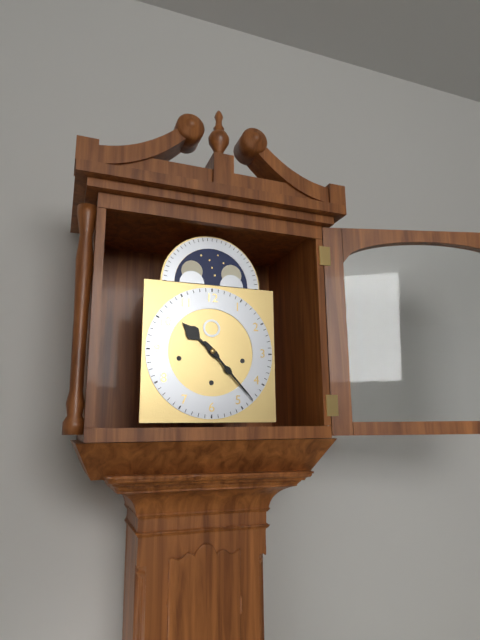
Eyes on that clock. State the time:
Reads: 10:23
